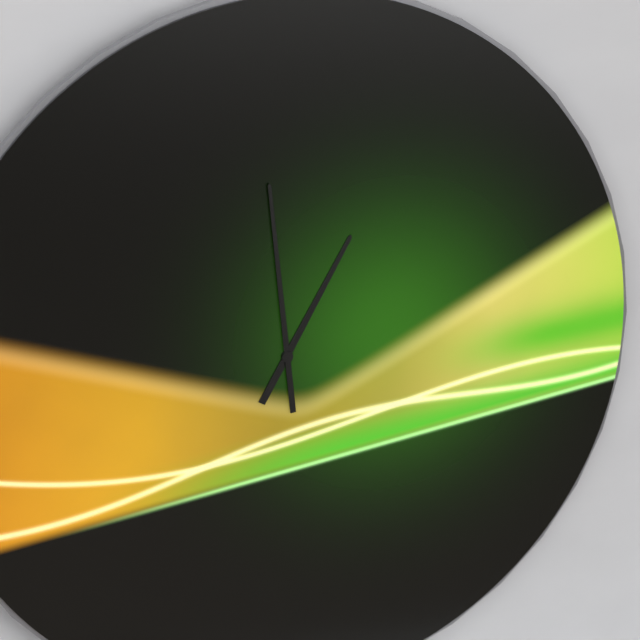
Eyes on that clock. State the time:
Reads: 12:59
